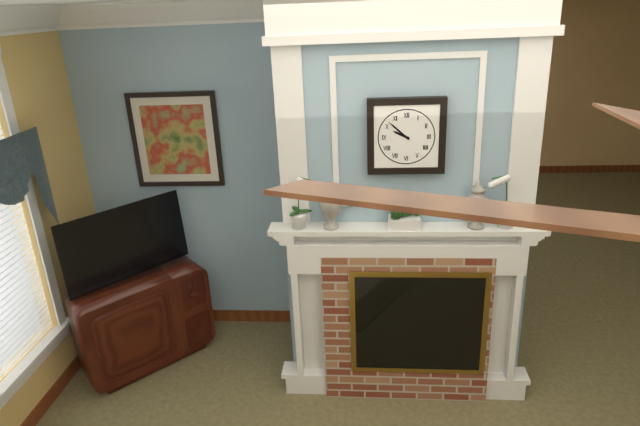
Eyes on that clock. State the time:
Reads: 9:52
